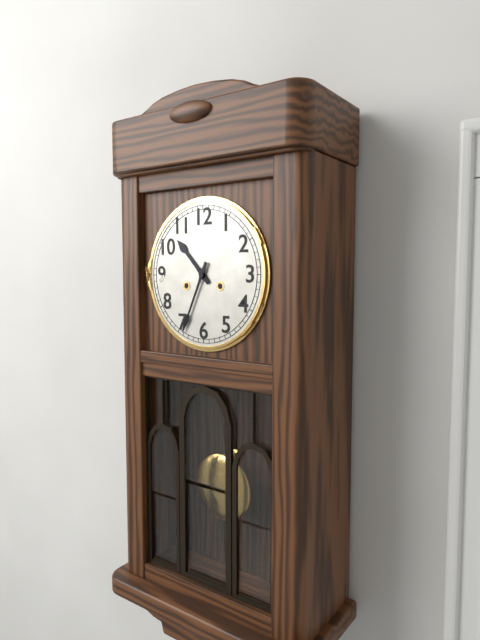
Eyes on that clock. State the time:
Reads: 10:34
